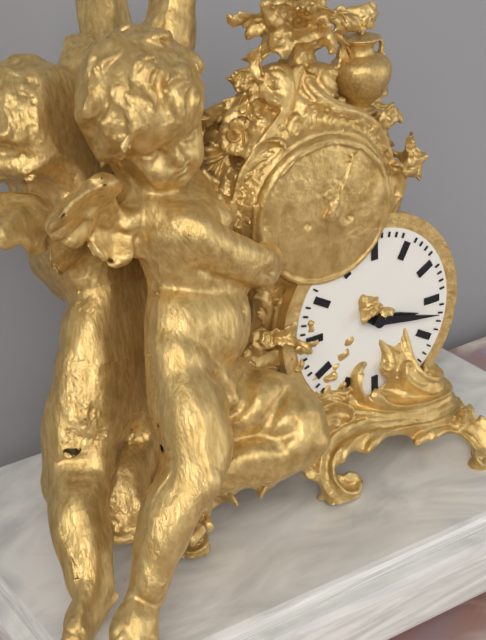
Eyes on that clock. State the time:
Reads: 3:17
